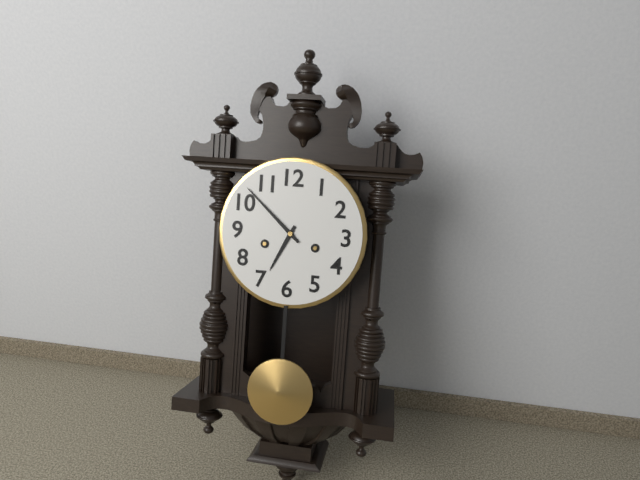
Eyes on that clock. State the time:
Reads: 6:52
